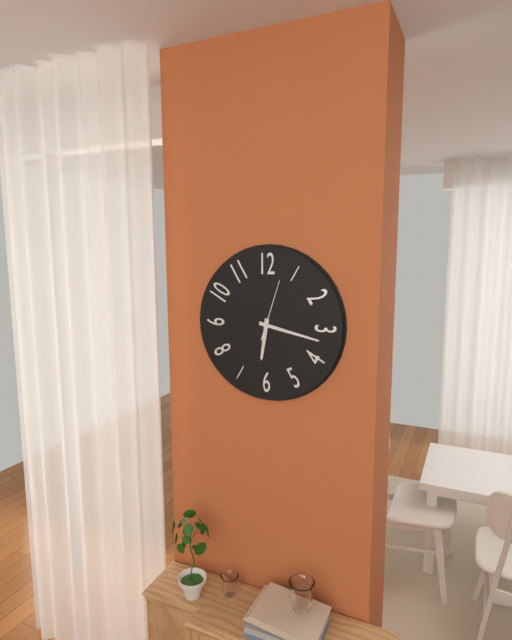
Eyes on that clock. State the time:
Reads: 6:17:03
